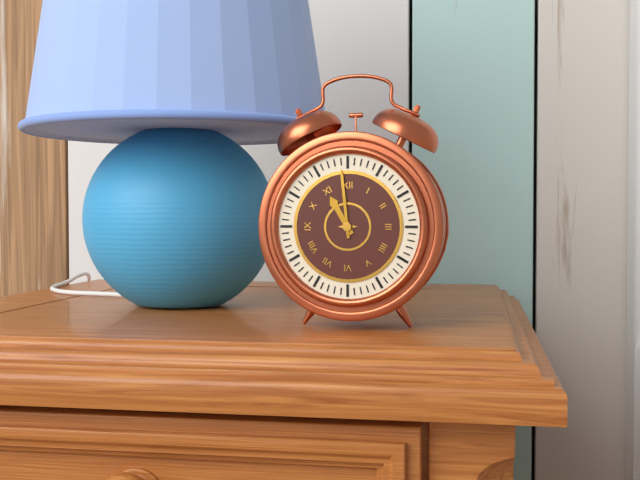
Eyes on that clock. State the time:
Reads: 10:59
